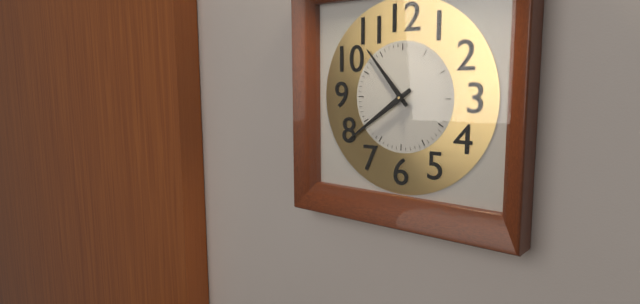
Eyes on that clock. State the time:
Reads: 10:39
